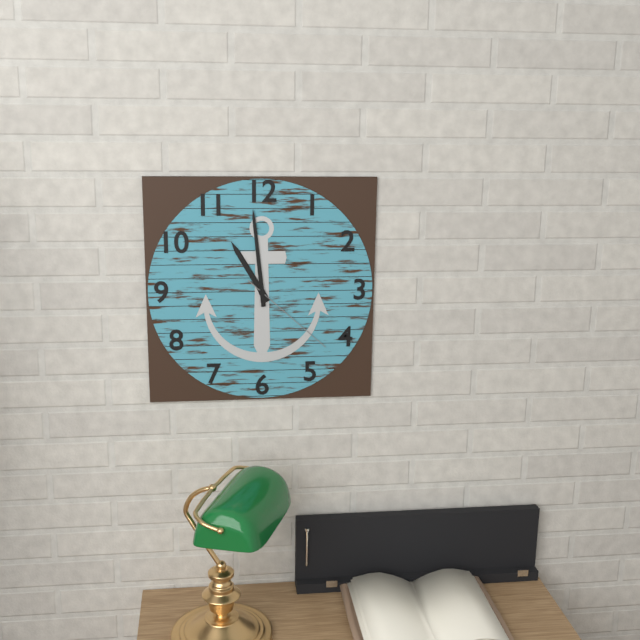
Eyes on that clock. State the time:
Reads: 10:59:22
